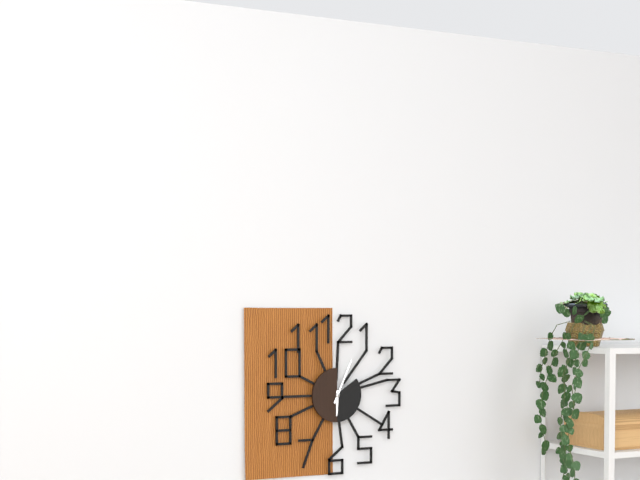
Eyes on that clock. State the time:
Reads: 6:04
